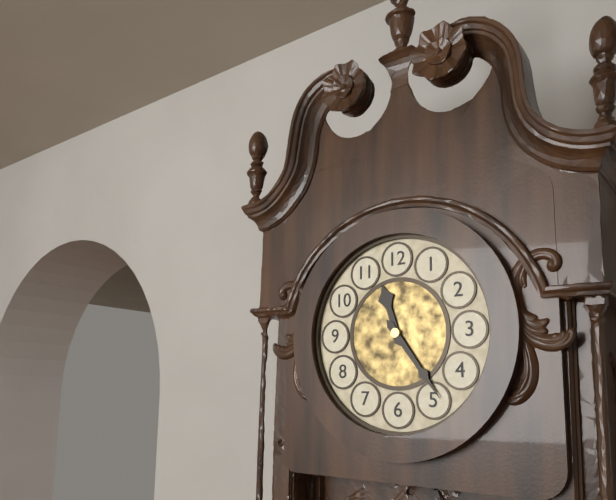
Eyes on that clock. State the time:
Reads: 11:24
